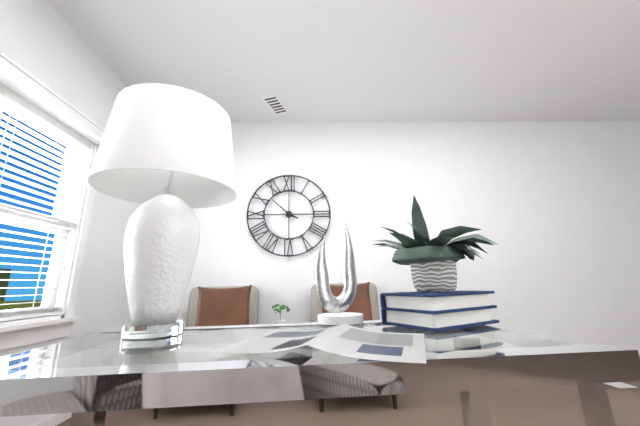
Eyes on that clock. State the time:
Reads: 3:52
